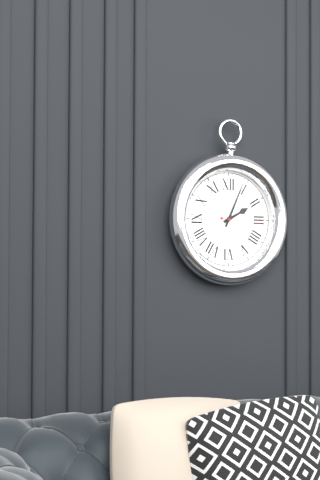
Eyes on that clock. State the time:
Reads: 2:04
